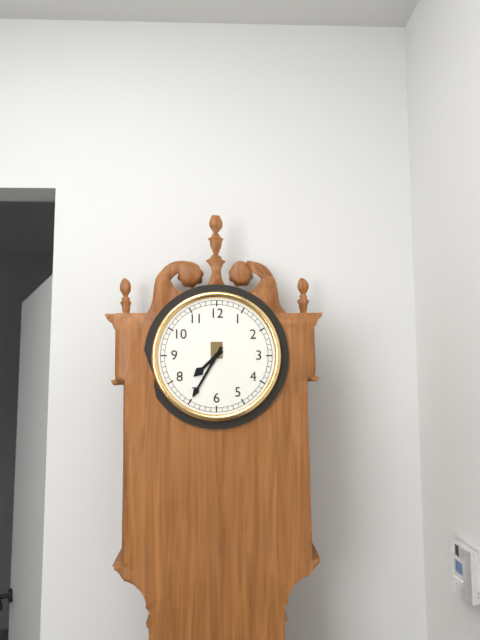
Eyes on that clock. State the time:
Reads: 7:35
